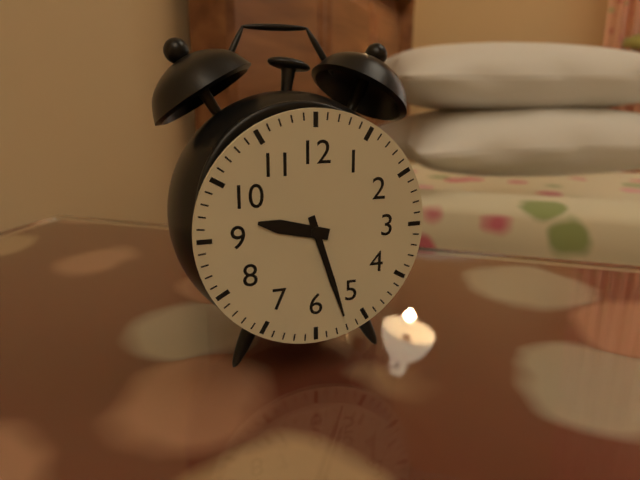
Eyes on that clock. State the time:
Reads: 9:27
